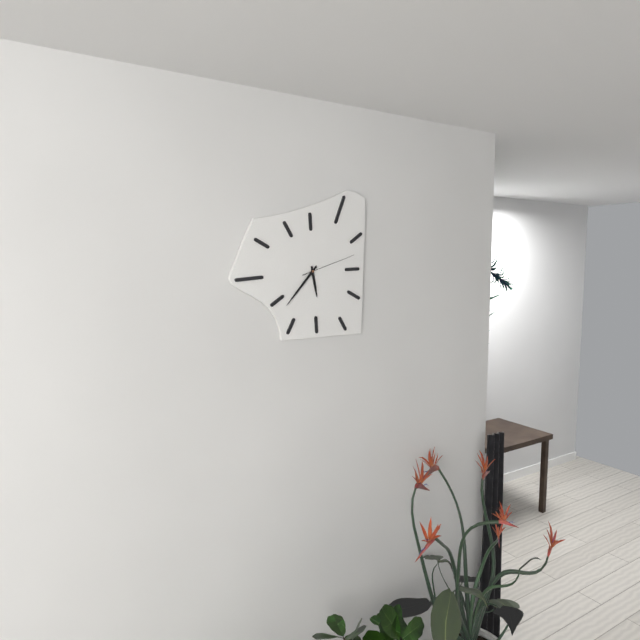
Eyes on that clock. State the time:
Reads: 5:37:12
